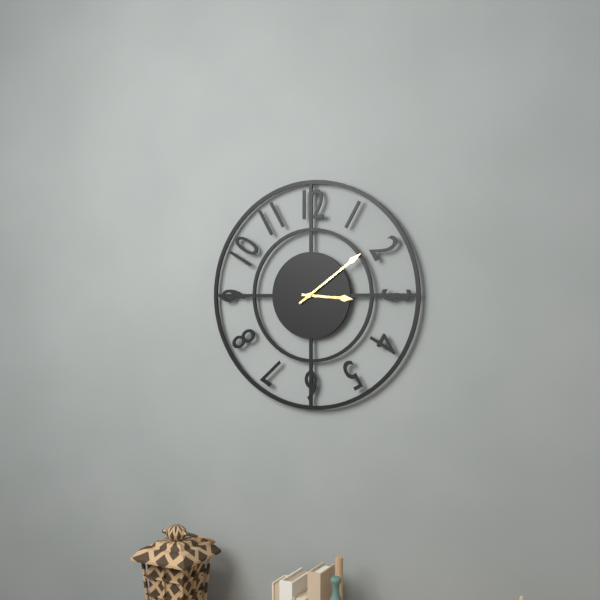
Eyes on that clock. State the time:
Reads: 3:09
